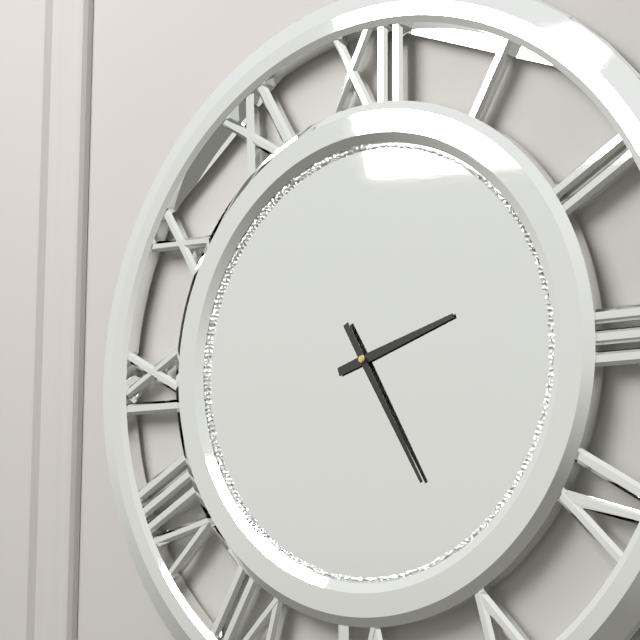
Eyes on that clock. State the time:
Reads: 2:25
